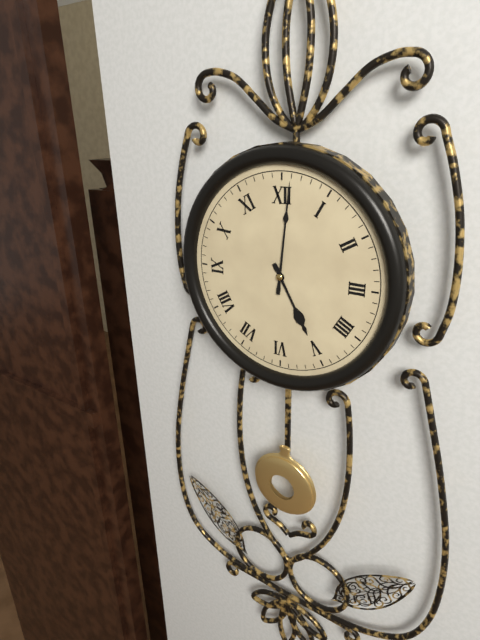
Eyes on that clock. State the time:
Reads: 5:01
